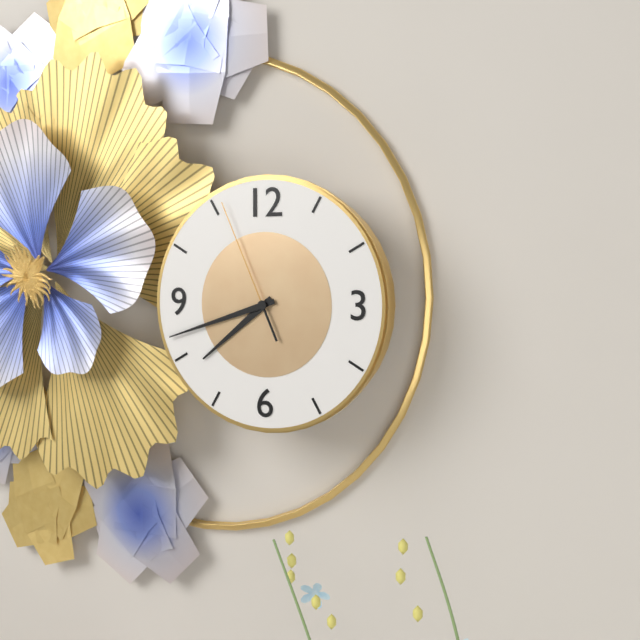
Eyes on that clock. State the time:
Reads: 7:42:56
